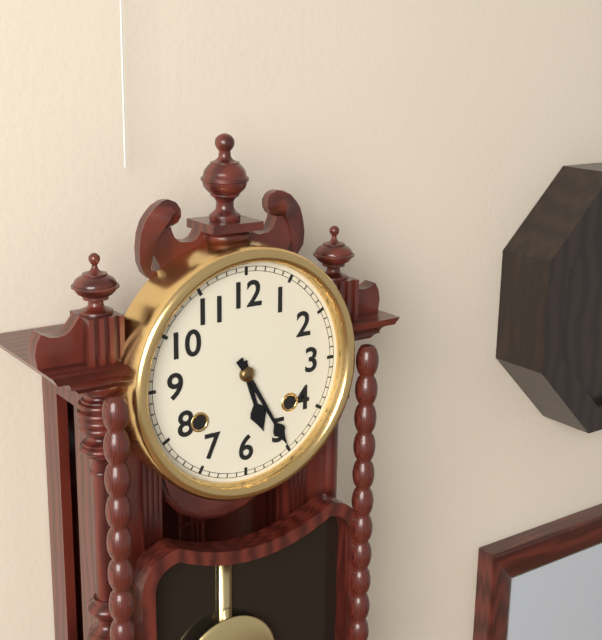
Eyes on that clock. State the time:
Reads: 5:25
